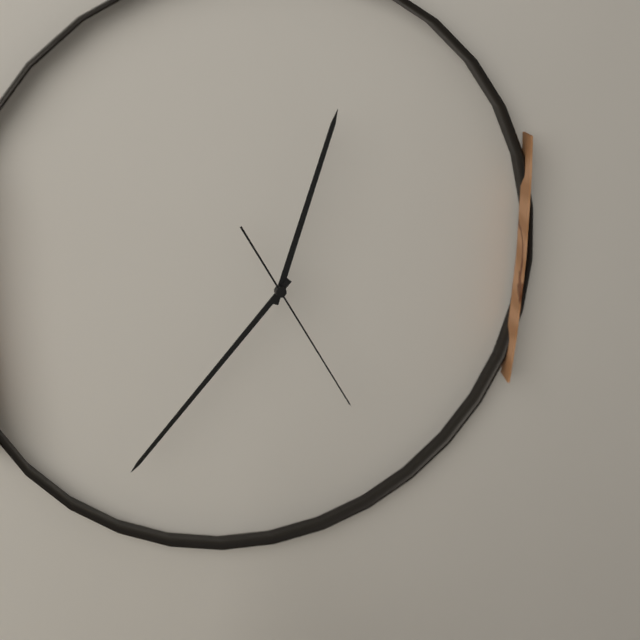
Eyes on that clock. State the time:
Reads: 12:37:25
